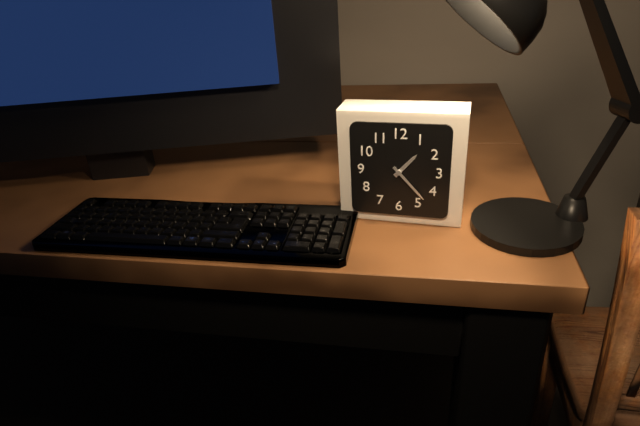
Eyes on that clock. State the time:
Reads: 1:23
